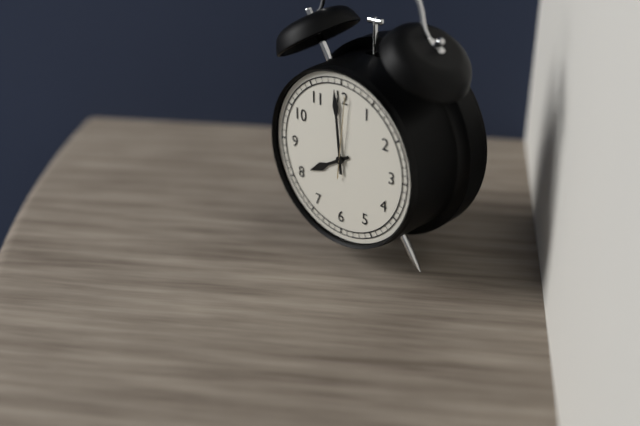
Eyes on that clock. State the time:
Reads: 7:59:01
